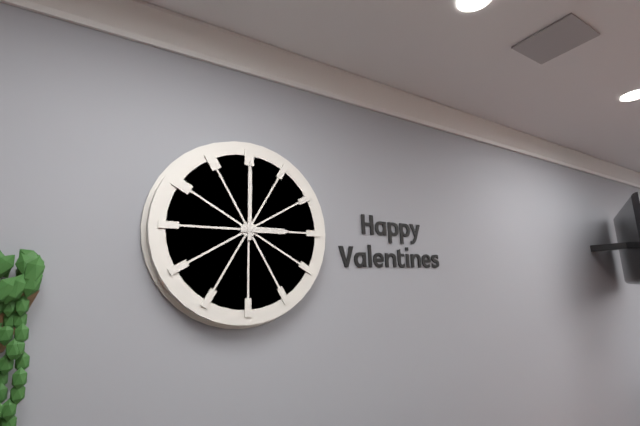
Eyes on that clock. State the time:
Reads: 3:00
